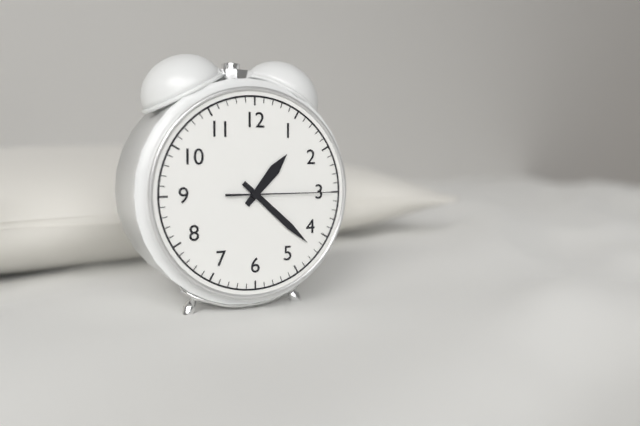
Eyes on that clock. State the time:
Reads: 1:22:15
